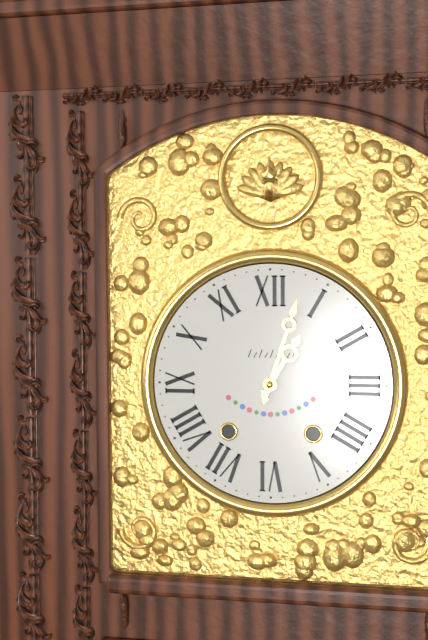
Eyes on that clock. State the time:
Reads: 1:03
